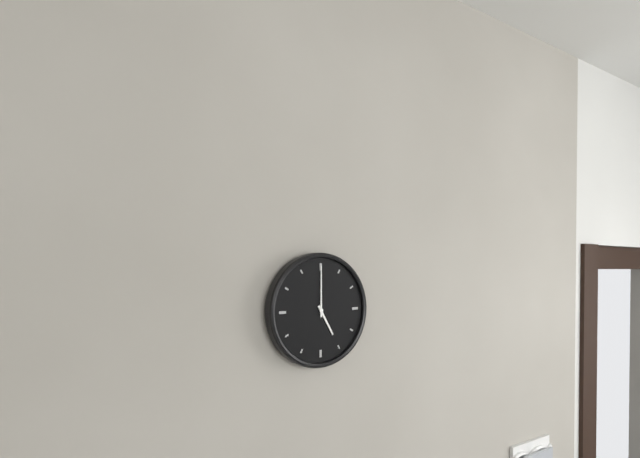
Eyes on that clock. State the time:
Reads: 5:00
